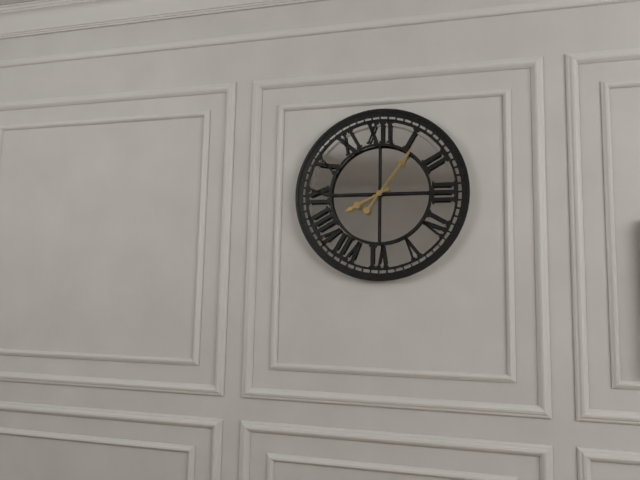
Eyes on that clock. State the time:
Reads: 8:06
